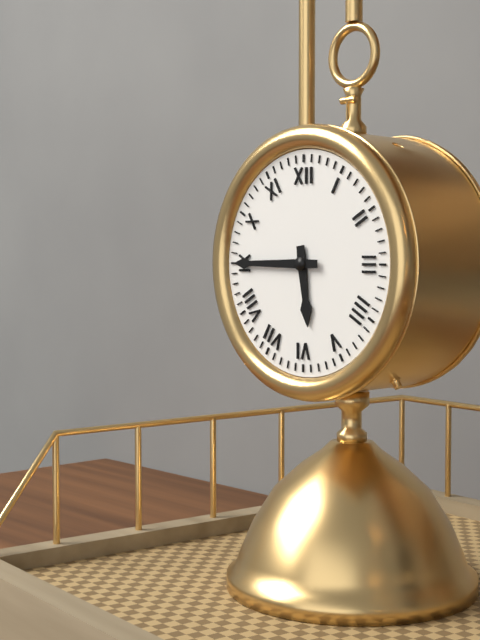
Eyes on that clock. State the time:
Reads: 5:45
